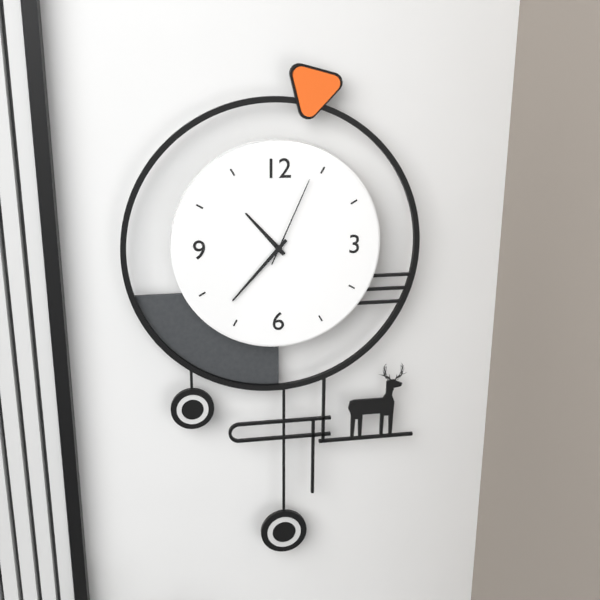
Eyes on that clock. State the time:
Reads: 10:37:04
